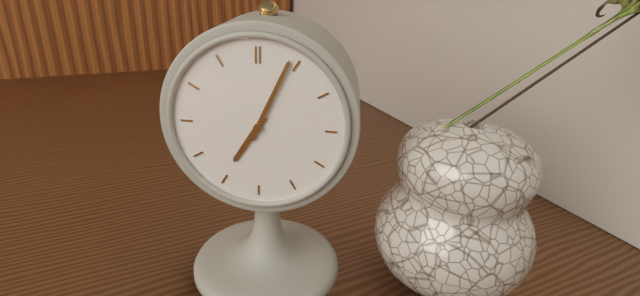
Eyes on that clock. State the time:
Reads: 7:04
